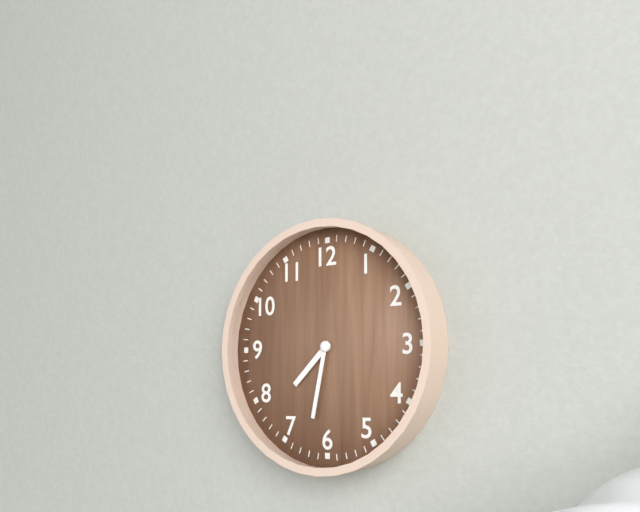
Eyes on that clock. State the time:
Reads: 7:32
